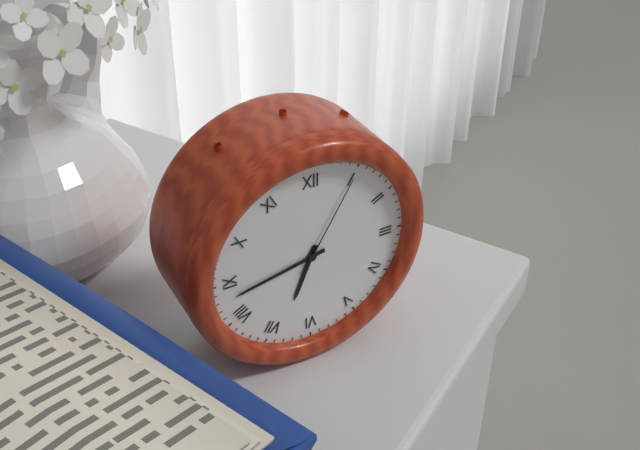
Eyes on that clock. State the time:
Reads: 6:43:05
